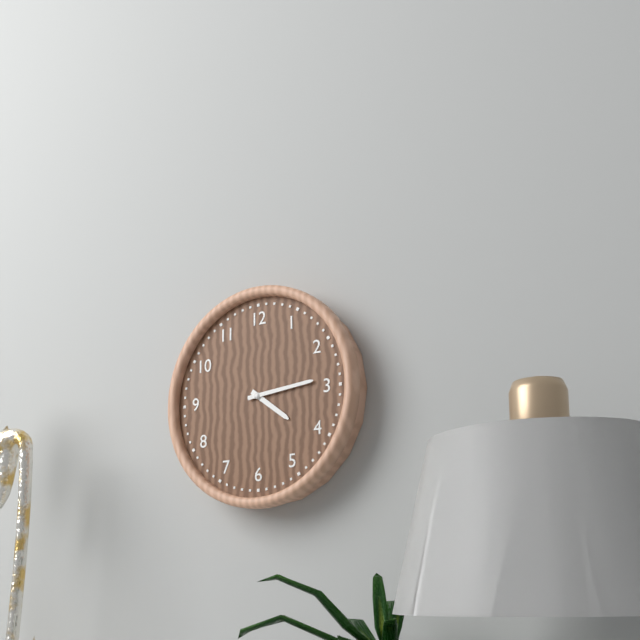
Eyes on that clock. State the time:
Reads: 4:14
